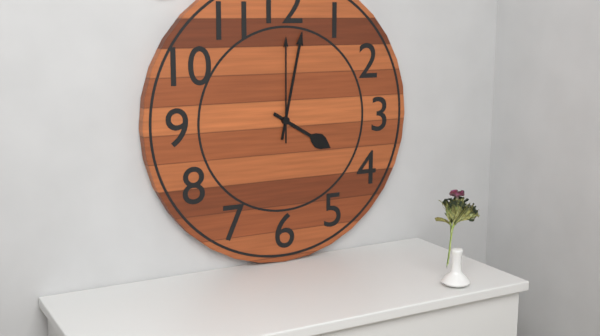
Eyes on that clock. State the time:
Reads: 4:02:00
